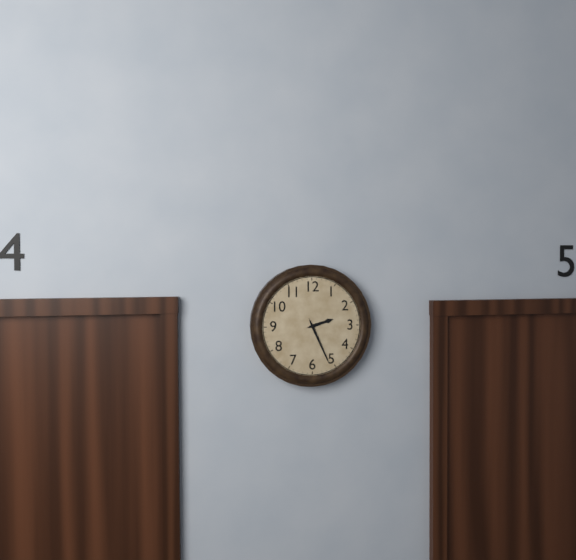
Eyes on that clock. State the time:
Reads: 2:26
